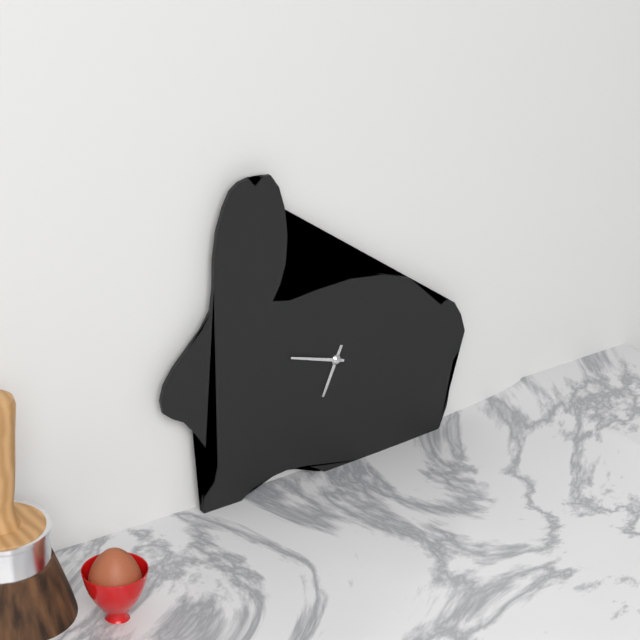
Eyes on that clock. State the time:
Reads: 6:48
